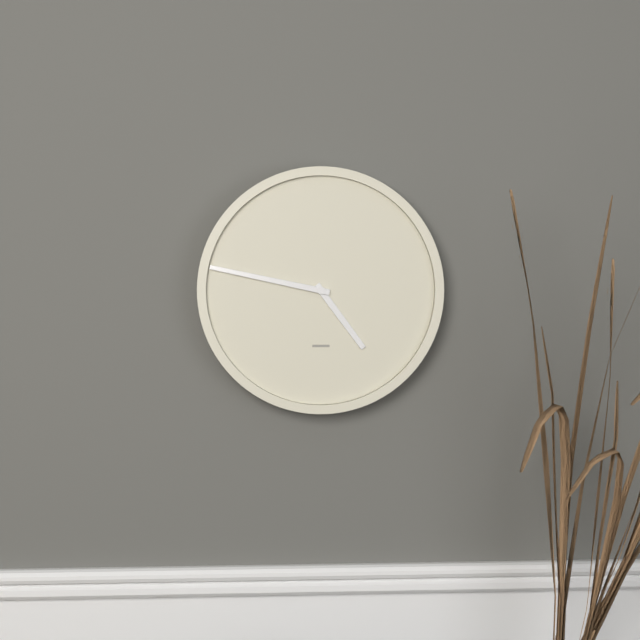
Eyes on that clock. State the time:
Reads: 4:47
